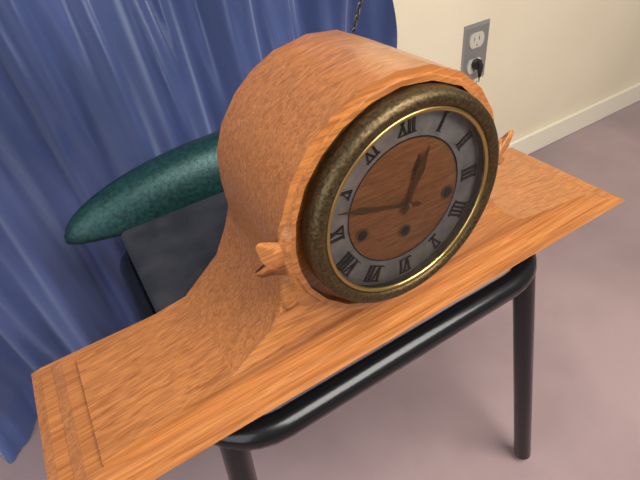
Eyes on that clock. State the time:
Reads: 12:48
